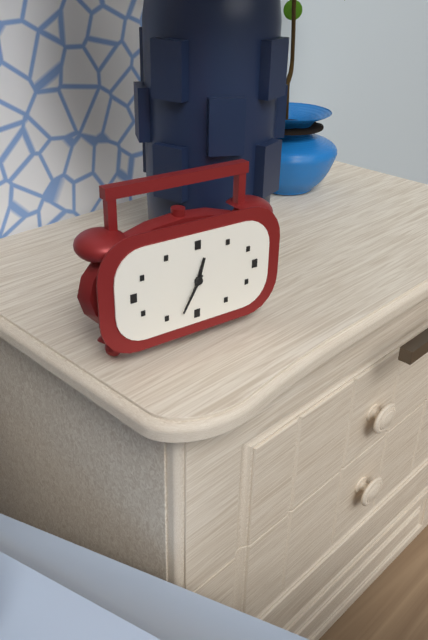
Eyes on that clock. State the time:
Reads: 12:35
